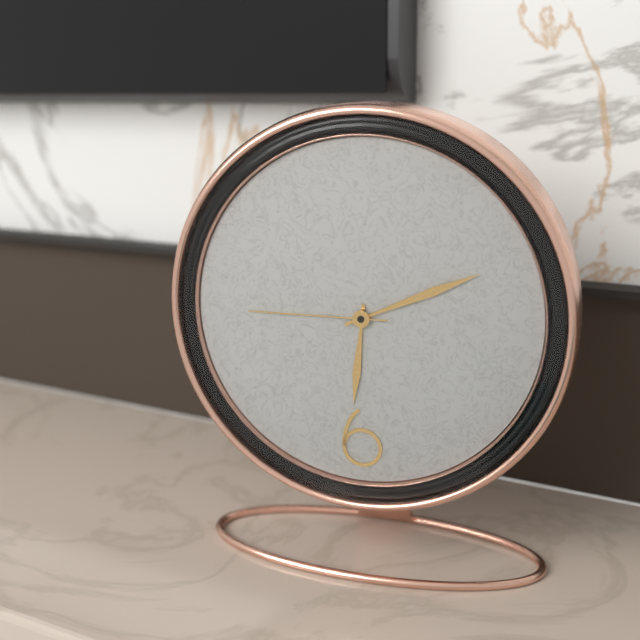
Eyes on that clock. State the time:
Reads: 6:11:45
